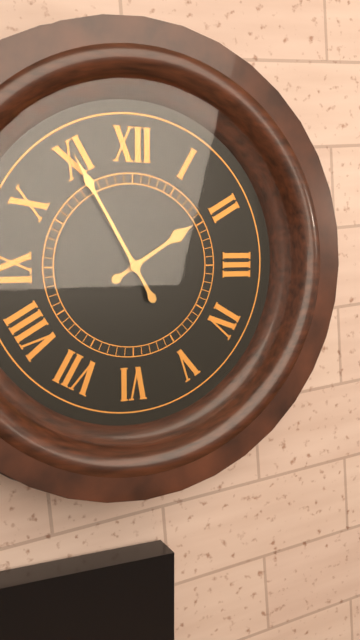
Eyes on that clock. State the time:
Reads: 1:55
